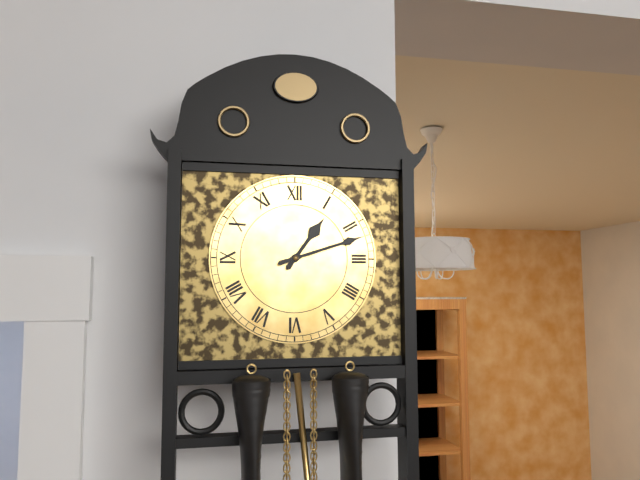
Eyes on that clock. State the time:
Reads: 1:12
